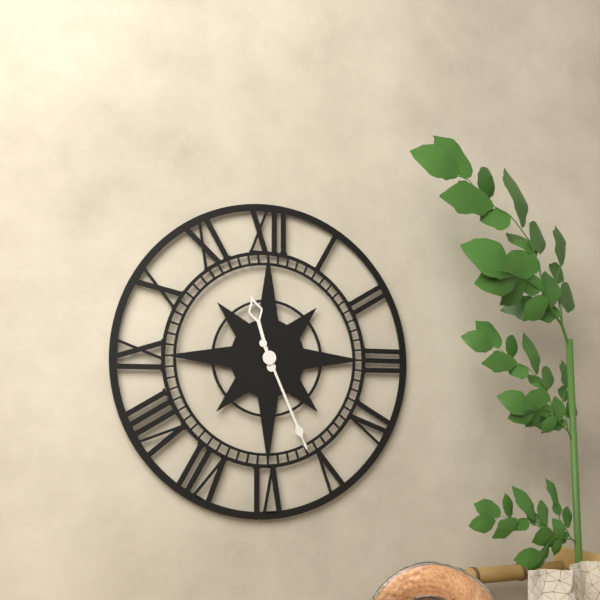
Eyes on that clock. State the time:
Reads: 11:26
